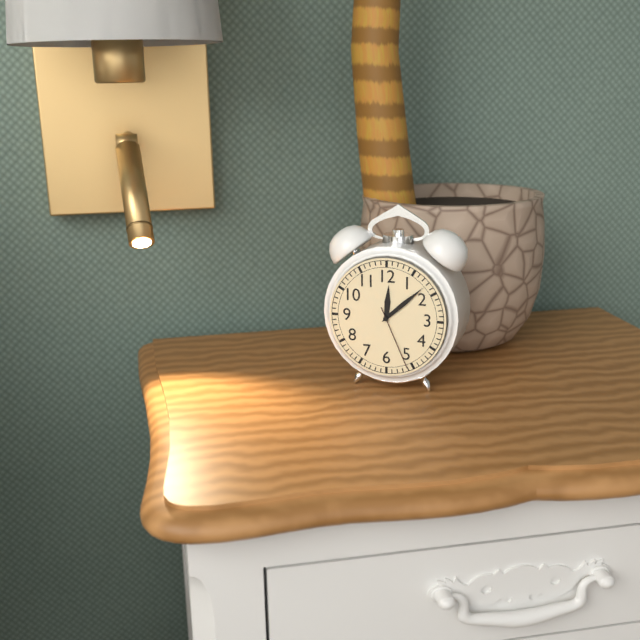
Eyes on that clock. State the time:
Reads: 12:08:26
